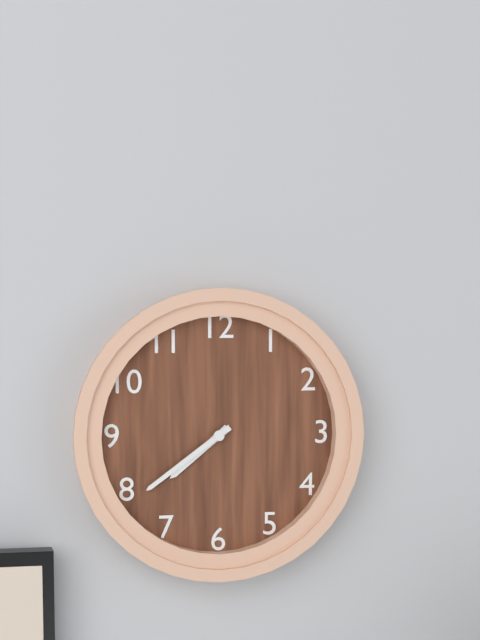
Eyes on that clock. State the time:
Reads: 7:39
